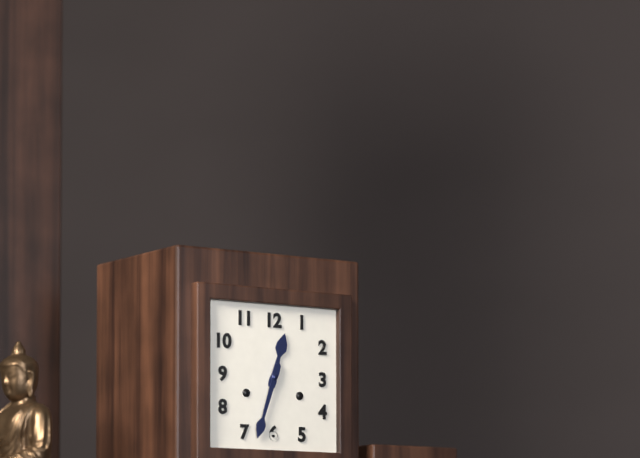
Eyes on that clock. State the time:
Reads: 12:33
